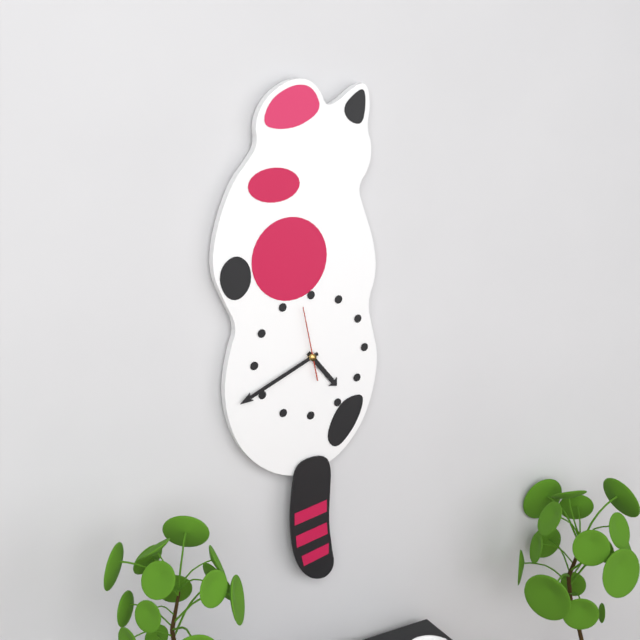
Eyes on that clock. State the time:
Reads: 4:41:58
